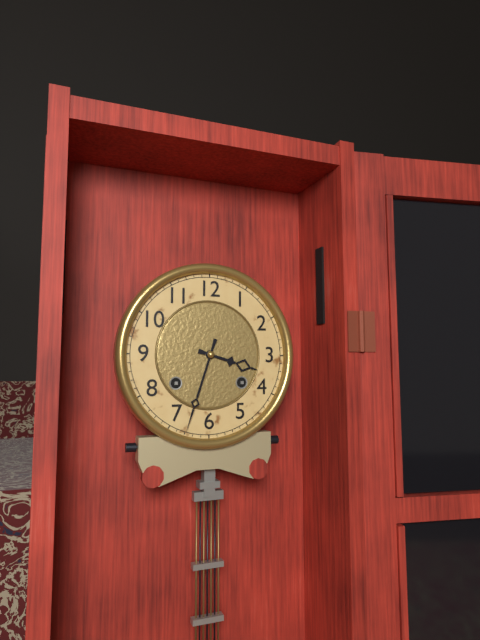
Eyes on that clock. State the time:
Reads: 3:33
